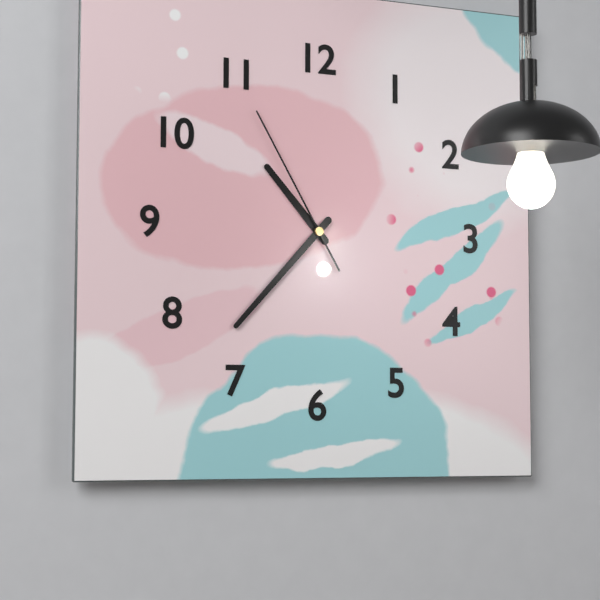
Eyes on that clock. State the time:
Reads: 10:37:55
